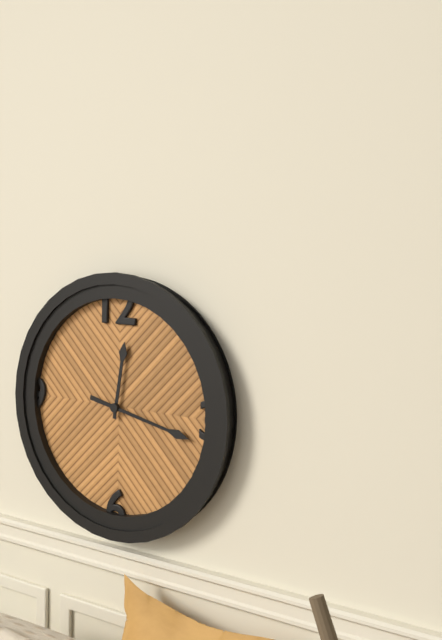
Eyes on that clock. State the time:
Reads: 12:17
